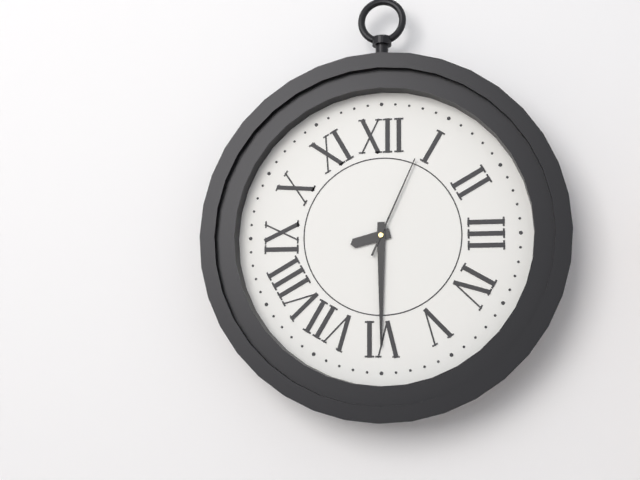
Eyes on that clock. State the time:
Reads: 8:30:04
